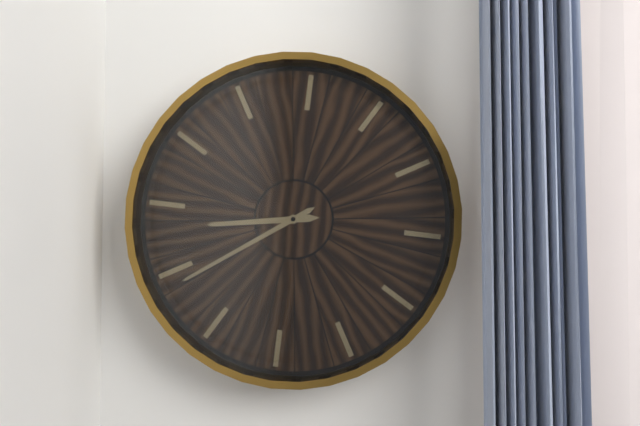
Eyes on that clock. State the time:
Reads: 8:39
